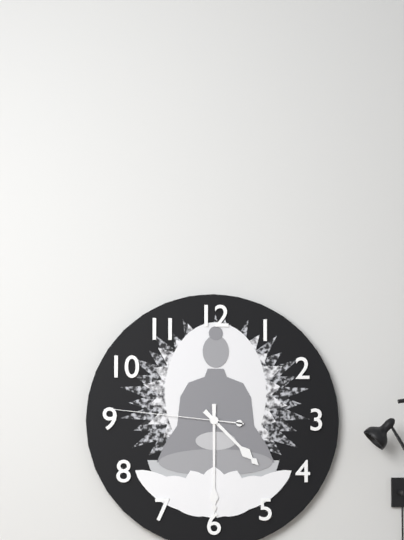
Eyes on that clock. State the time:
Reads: 4:30:46
